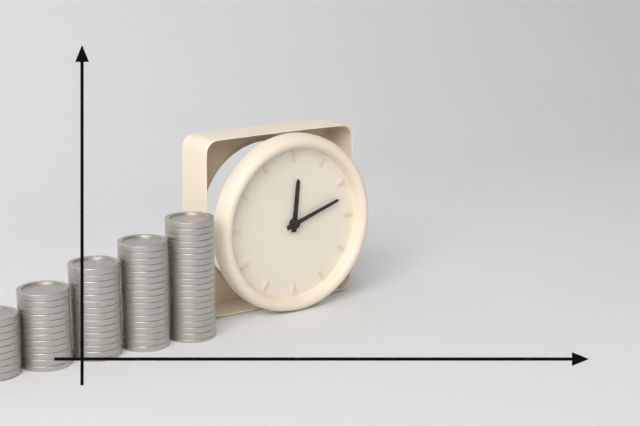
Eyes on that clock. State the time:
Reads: 12:12
